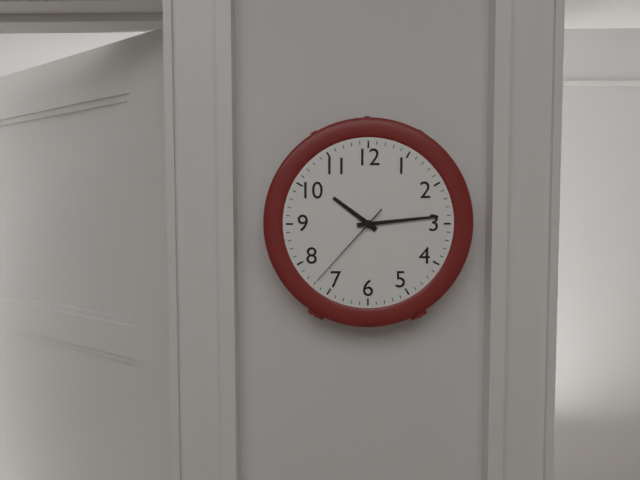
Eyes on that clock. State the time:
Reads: 10:14:37
